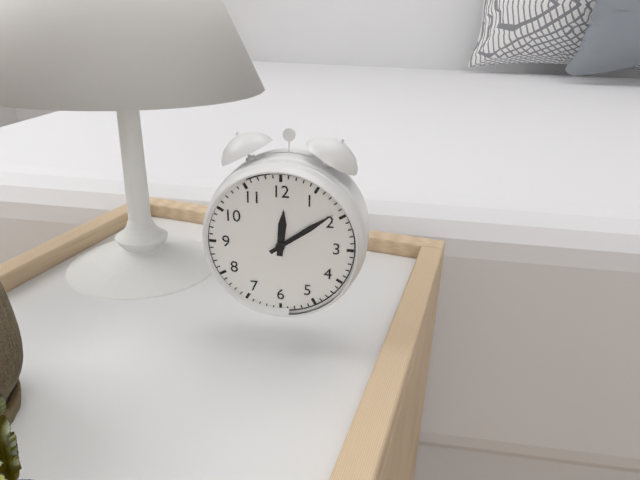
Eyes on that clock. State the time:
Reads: 12:09
